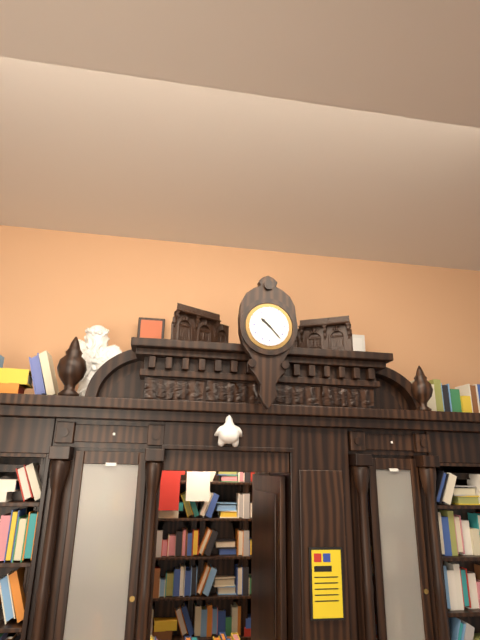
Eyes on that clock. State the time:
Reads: 10:23
